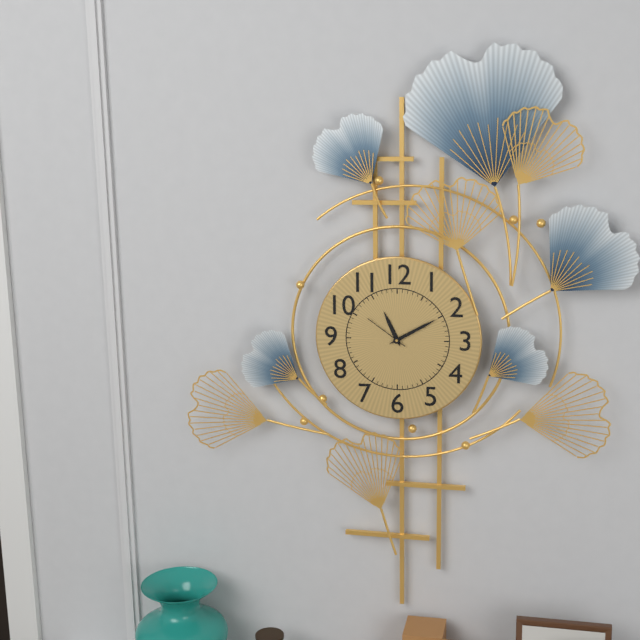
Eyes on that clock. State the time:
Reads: 11:10
